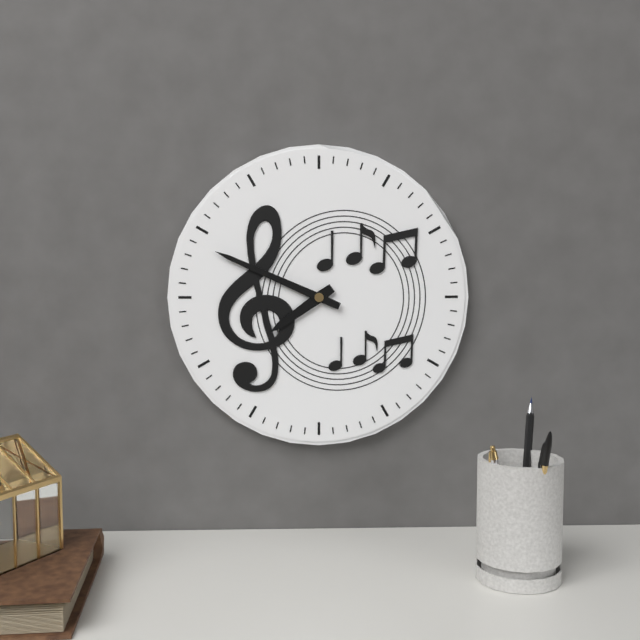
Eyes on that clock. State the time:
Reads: 7:49
